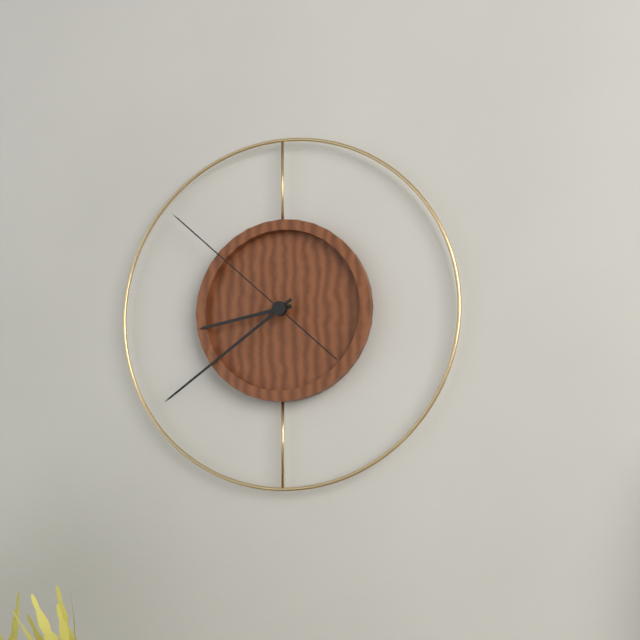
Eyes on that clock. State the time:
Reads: 8:39:52
